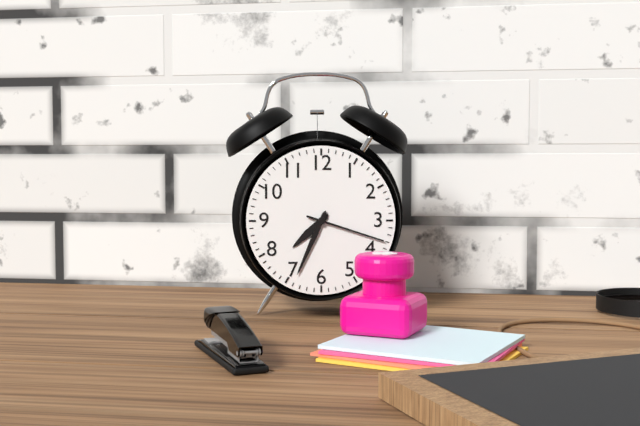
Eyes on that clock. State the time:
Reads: 7:34:18
